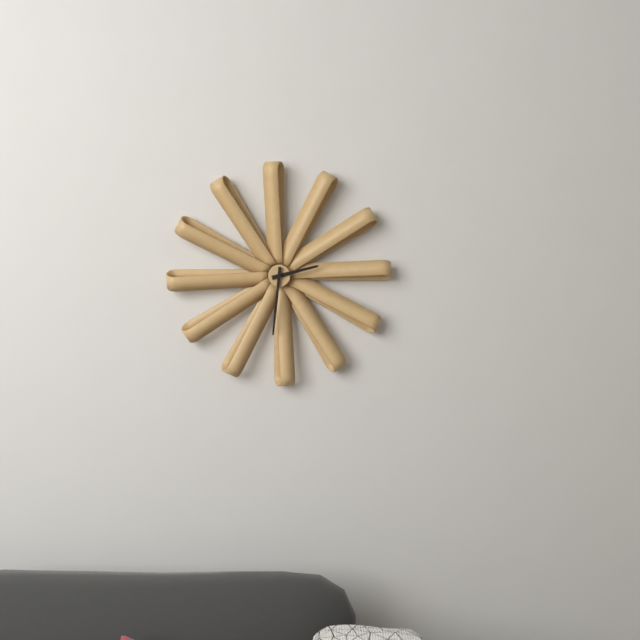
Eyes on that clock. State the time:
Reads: 2:31
